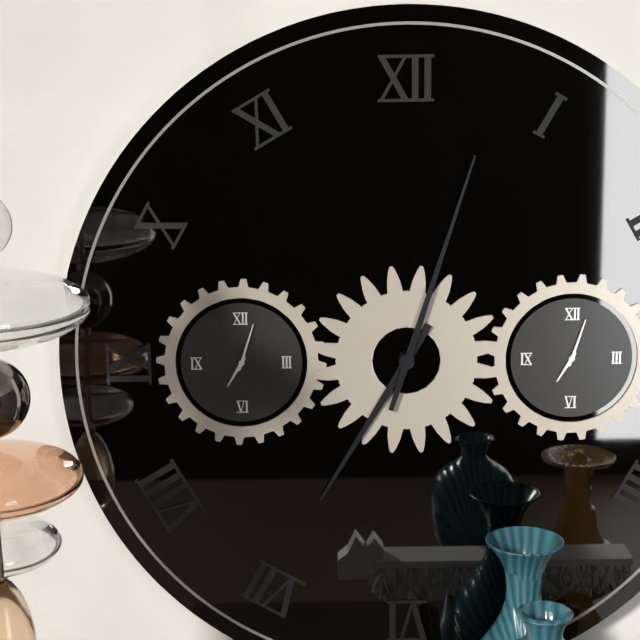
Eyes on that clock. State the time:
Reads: 7:03
